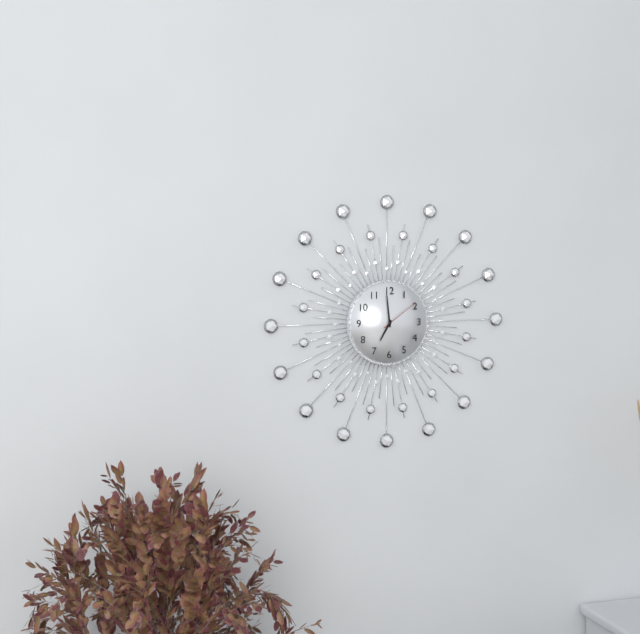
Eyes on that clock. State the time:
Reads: 6:59
